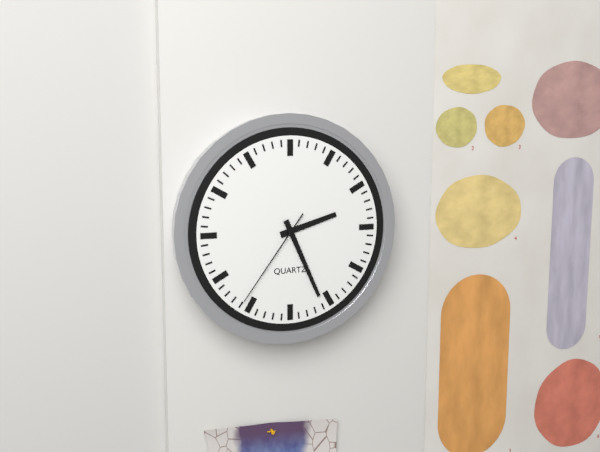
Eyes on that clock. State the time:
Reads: 2:26:36
